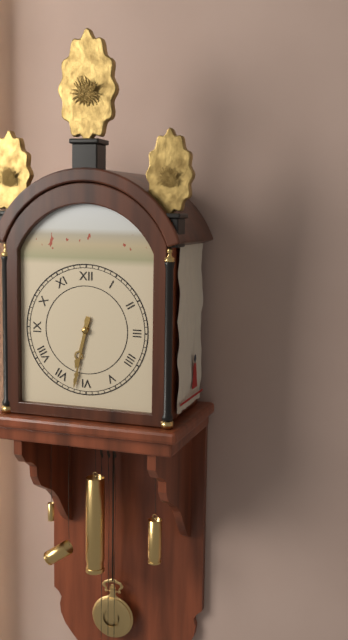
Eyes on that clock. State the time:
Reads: 6:32
